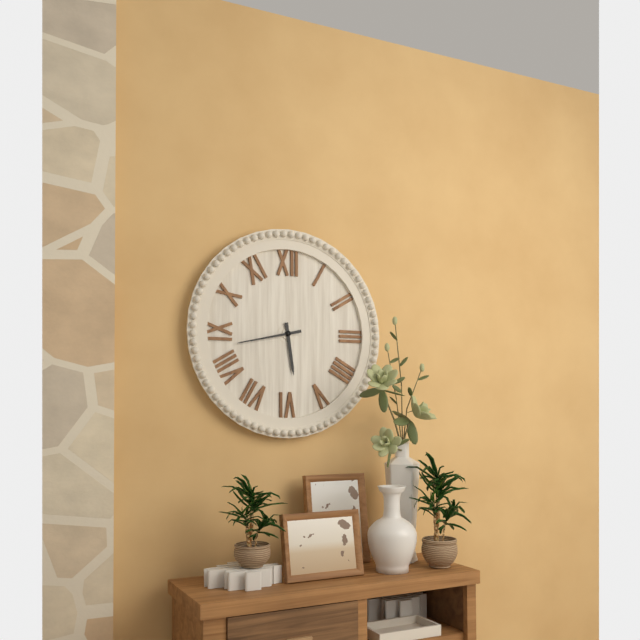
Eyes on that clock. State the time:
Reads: 5:43
